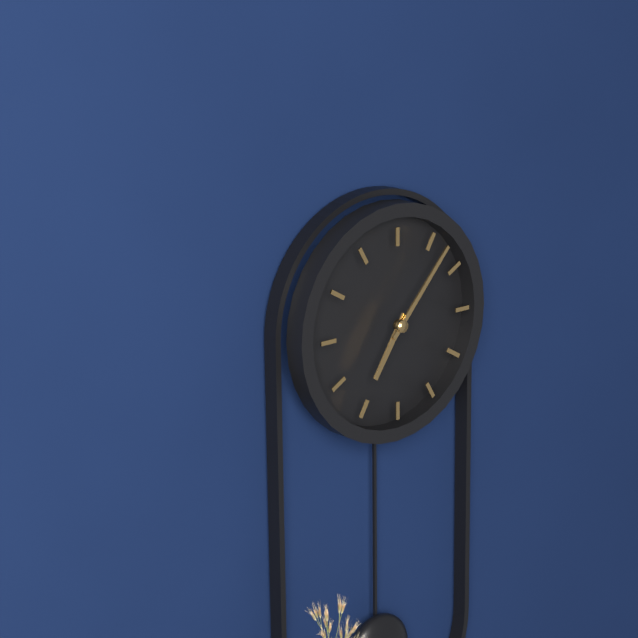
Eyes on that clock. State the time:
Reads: 7:07
